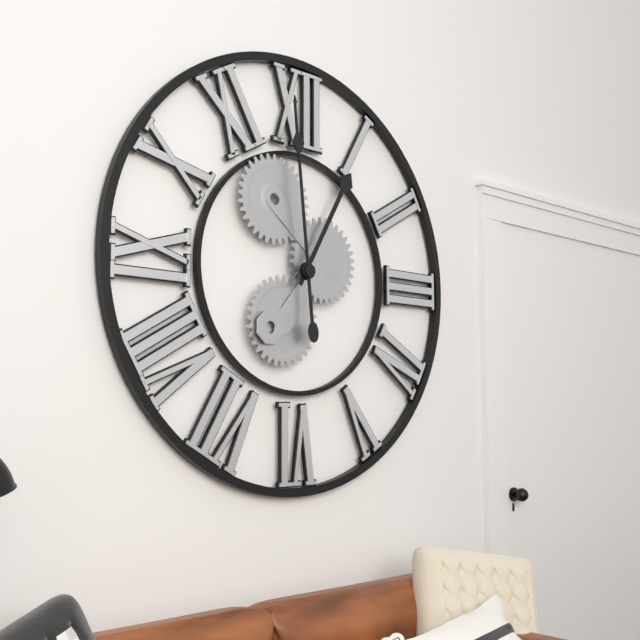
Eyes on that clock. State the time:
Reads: 12:59
